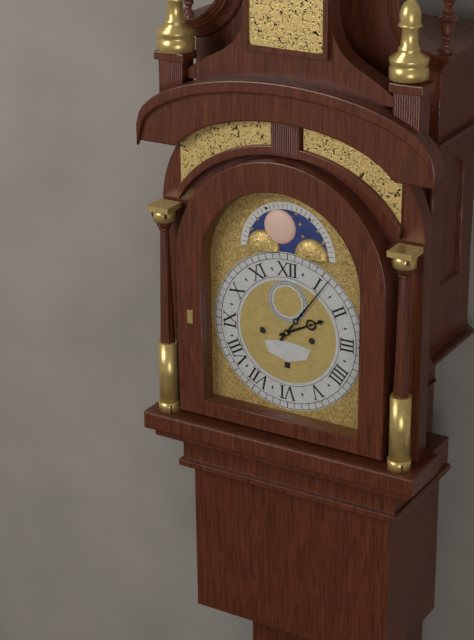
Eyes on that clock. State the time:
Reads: 2:06
